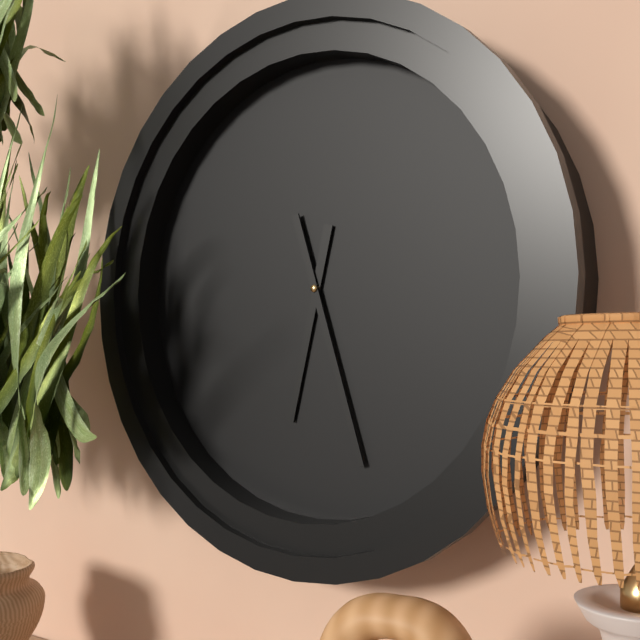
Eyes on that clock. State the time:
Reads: 6:27
